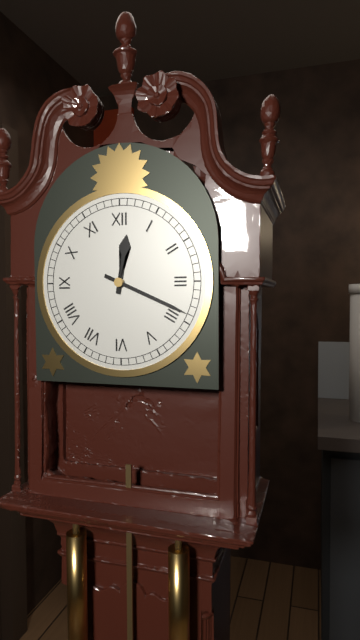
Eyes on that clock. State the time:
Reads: 12:19
